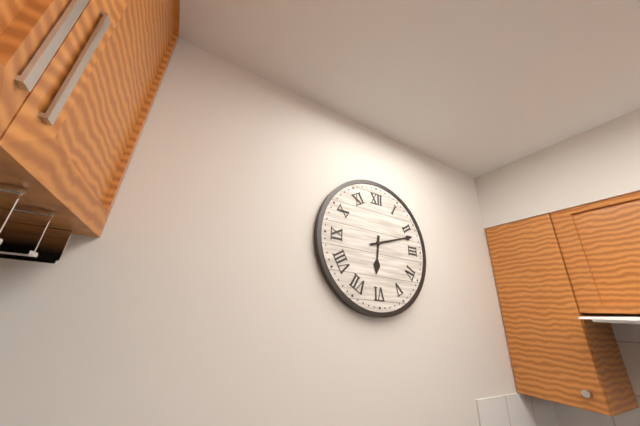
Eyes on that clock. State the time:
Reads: 6:12
